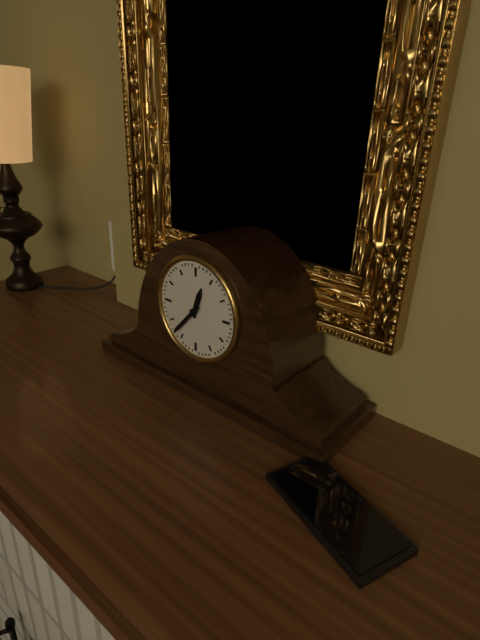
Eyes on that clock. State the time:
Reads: 12:37
